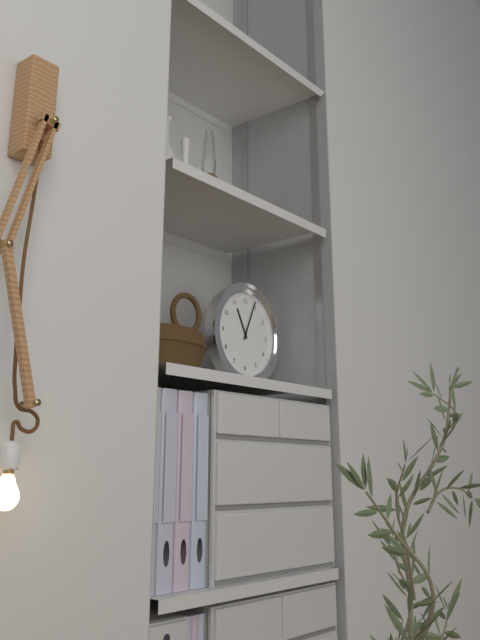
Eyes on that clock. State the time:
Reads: 11:04
